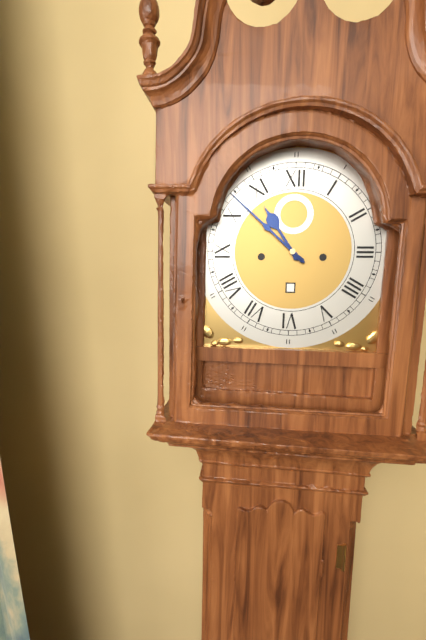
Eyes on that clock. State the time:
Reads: 10:52
